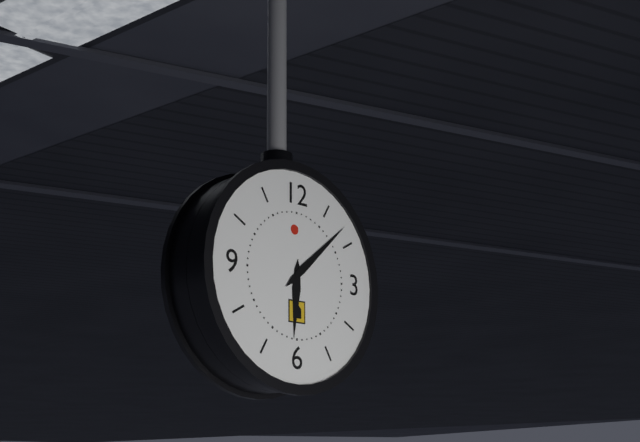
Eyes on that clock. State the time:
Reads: 6:08
